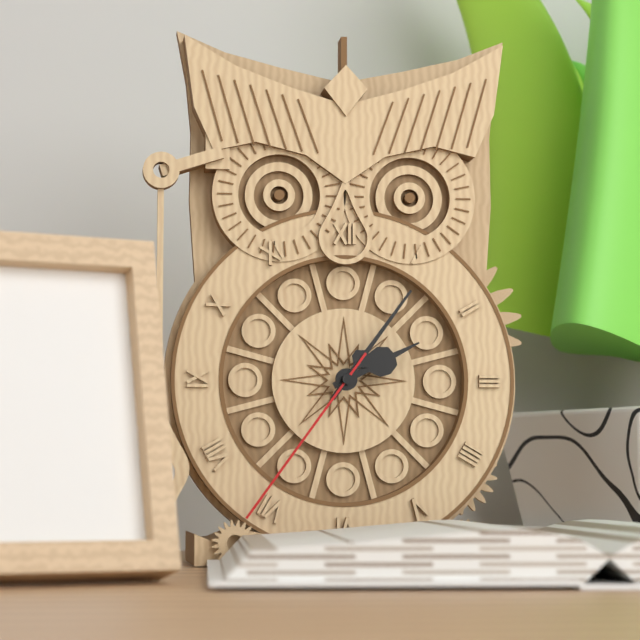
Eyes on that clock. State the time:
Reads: 2:06:36
